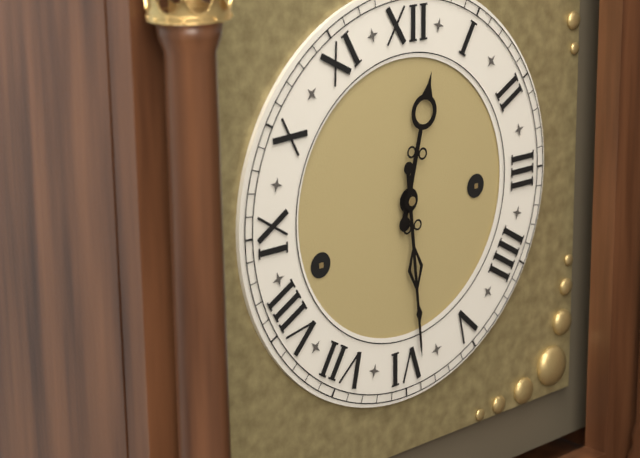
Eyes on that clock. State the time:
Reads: 12:29
